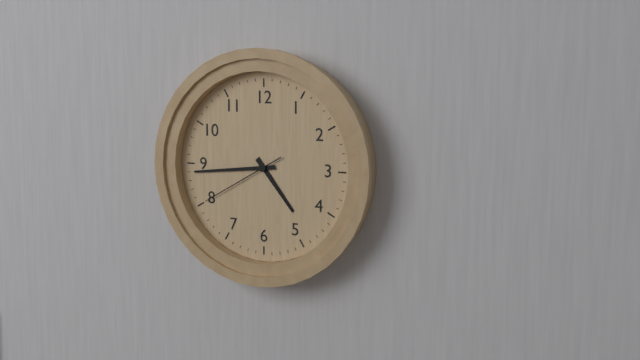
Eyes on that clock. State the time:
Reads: 4:44:40
